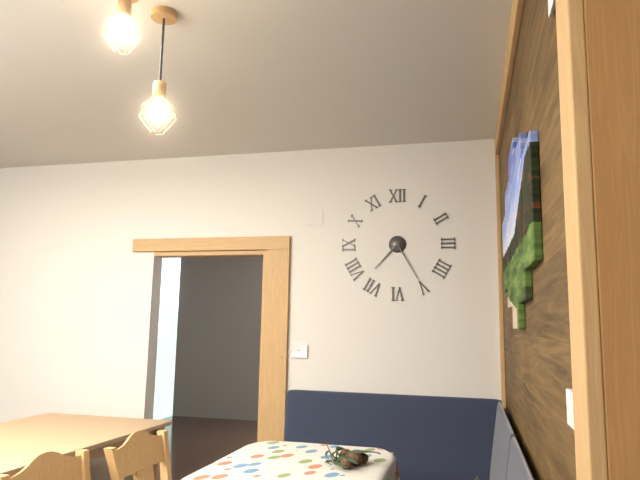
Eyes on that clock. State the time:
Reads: 7:25
